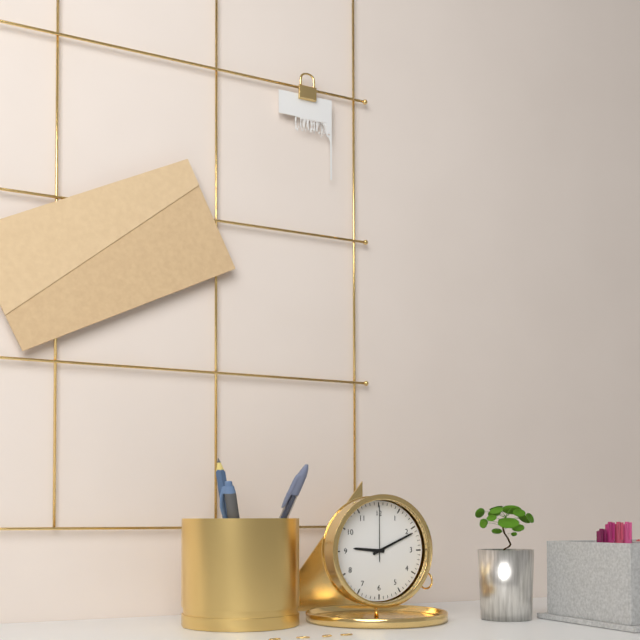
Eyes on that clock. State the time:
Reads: 9:11:00
